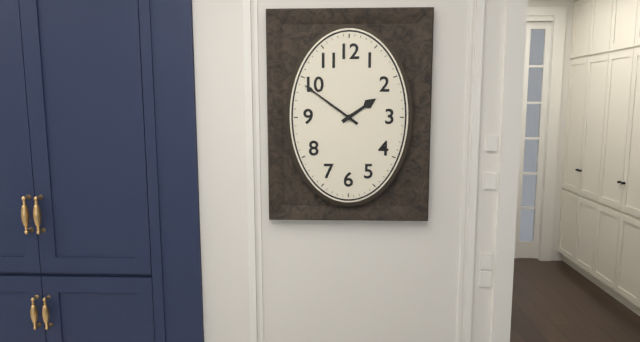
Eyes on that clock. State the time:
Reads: 1:51
